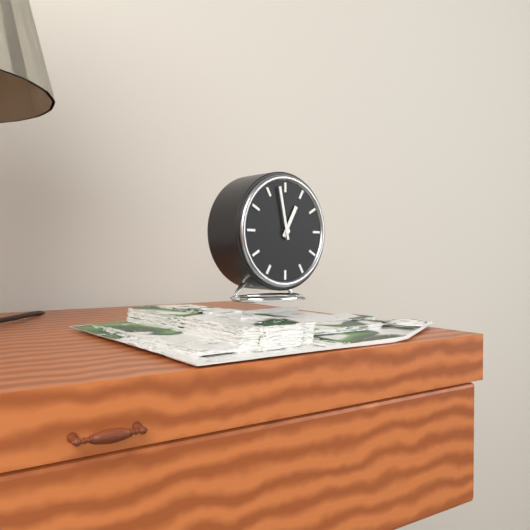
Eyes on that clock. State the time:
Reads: 12:58
